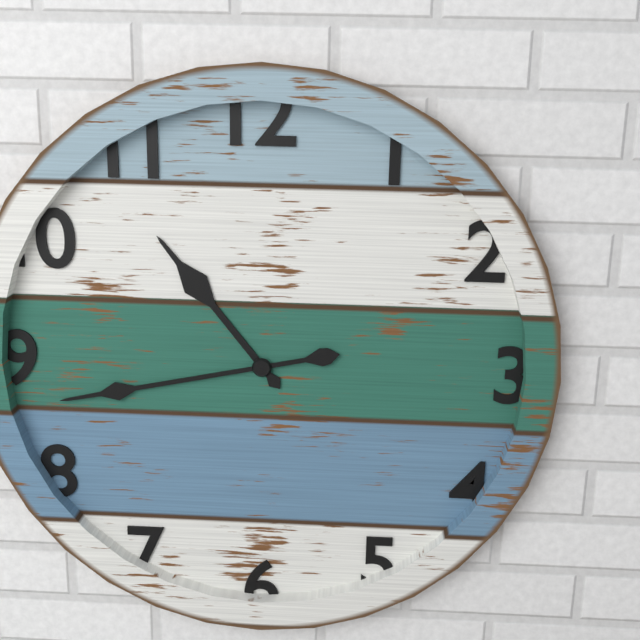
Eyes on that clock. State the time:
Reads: 10:43
